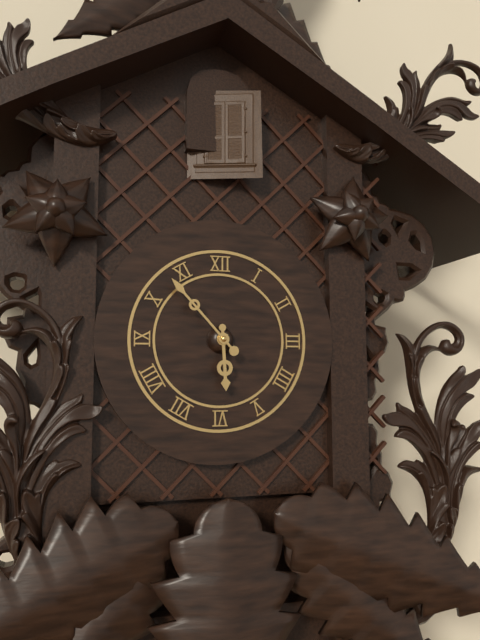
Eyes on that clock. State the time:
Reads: 5:53
